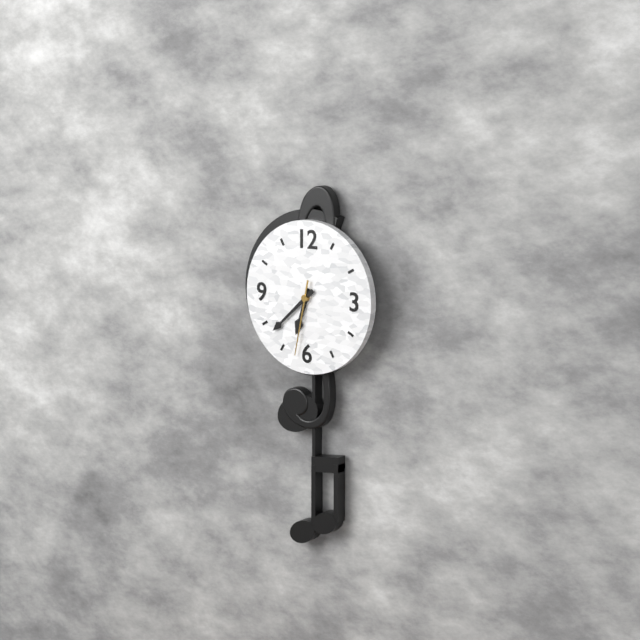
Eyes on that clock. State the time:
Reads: 6:38:32
